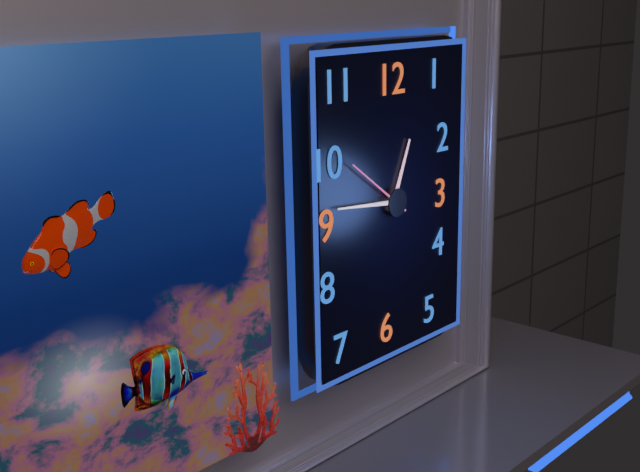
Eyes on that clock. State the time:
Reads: 12:46:51
